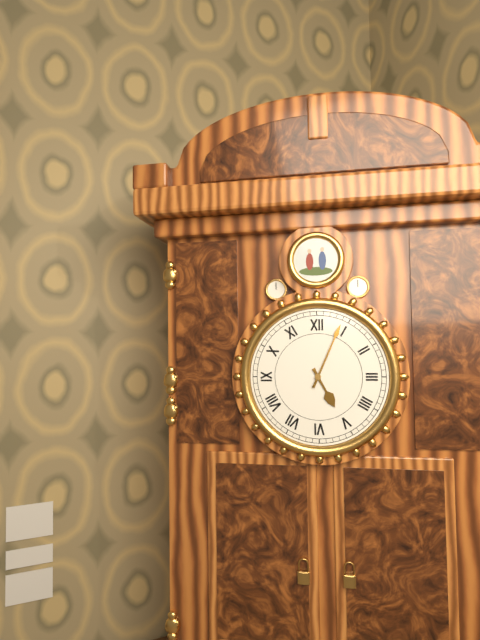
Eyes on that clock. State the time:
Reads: 5:04
